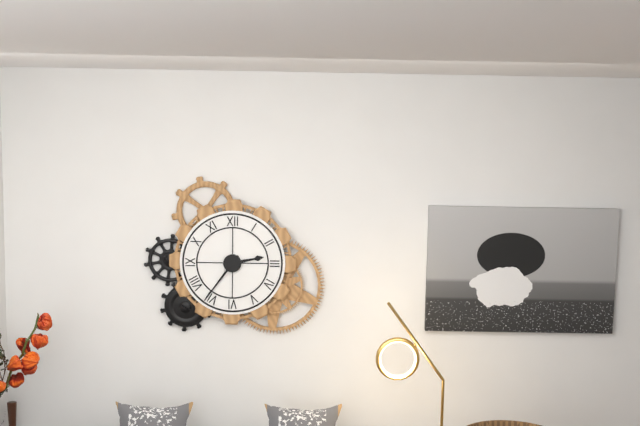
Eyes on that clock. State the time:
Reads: 2:36
